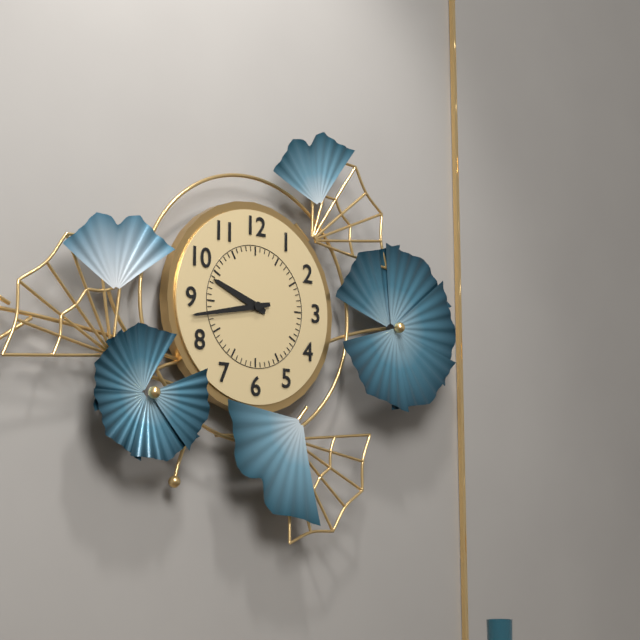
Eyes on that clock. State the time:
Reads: 9:43
